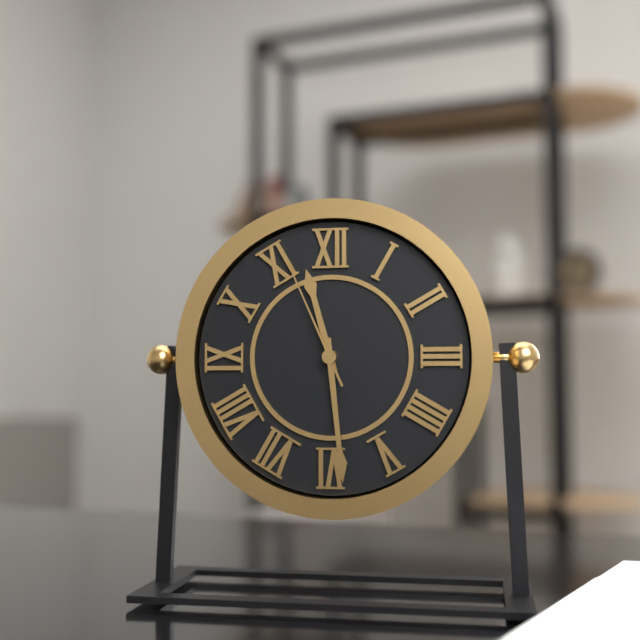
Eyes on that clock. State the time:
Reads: 11:29:56
